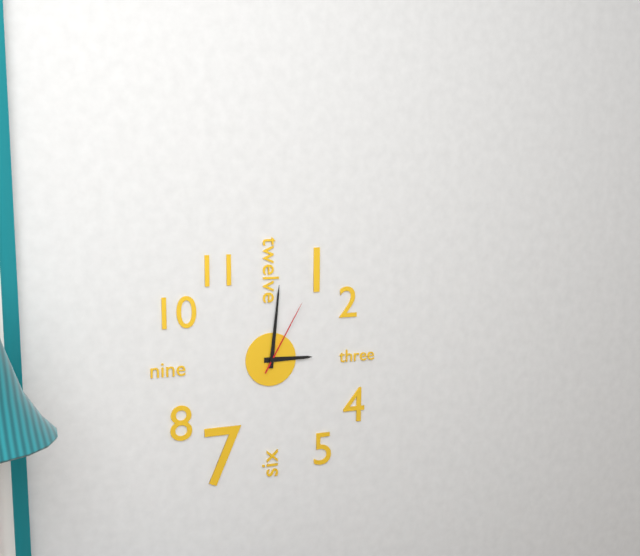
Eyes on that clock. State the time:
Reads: 3:01:05
